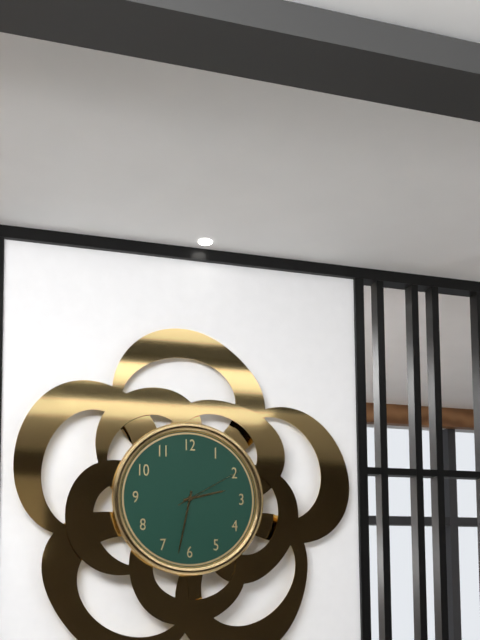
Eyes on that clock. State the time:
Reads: 2:32:10
